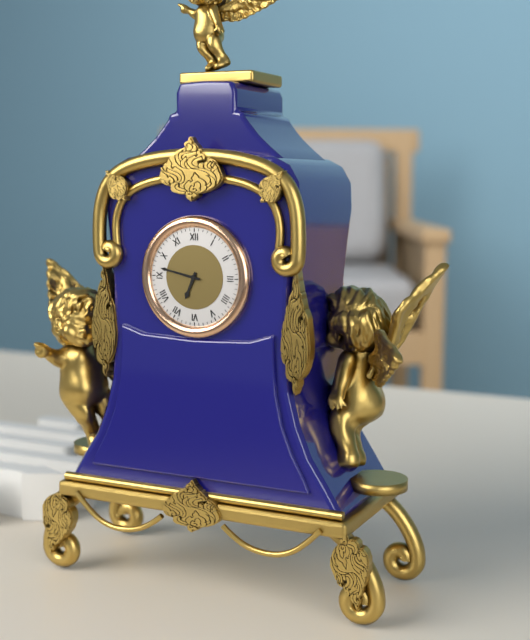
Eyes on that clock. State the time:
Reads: 6:47
